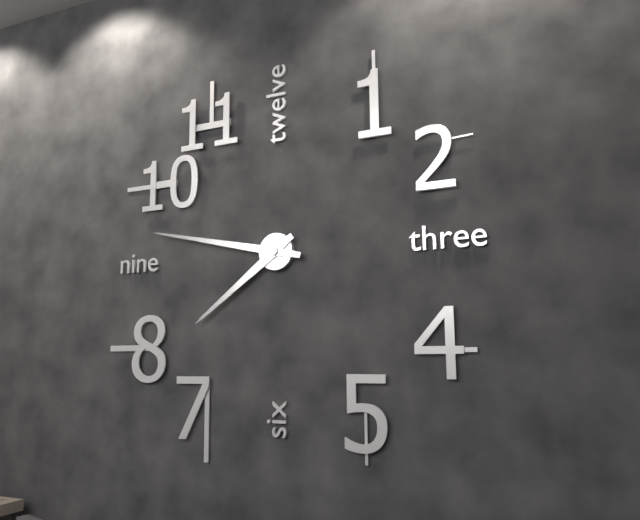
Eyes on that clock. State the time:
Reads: 7:47
